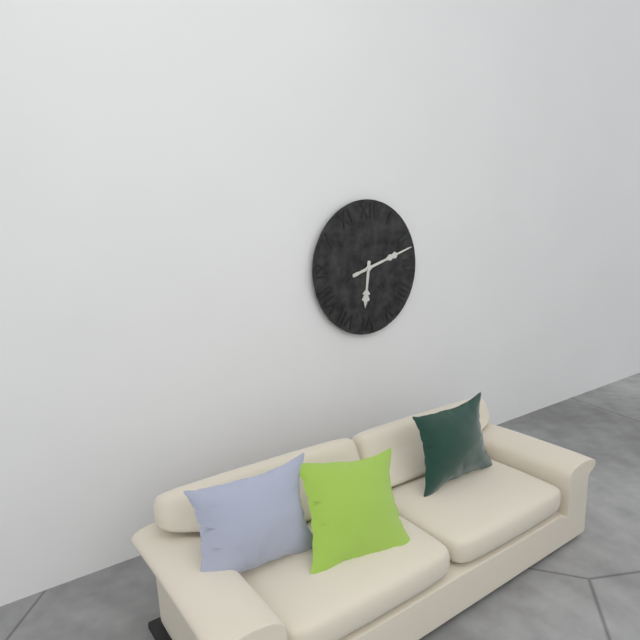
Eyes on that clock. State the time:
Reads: 6:12
